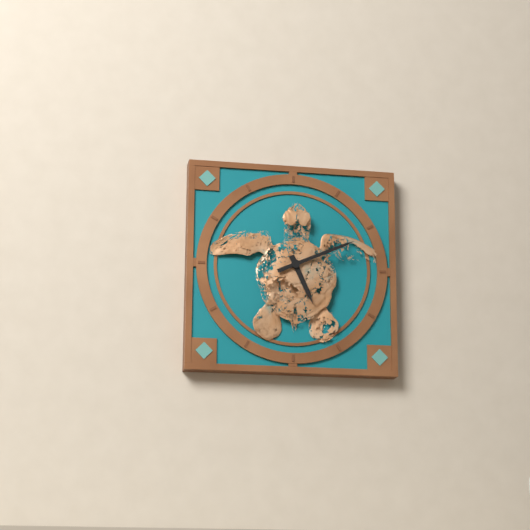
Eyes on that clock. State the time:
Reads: 5:11
